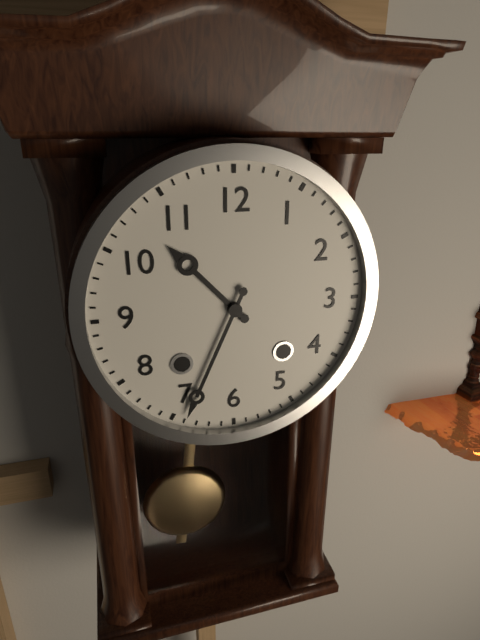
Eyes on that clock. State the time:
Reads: 10:34
